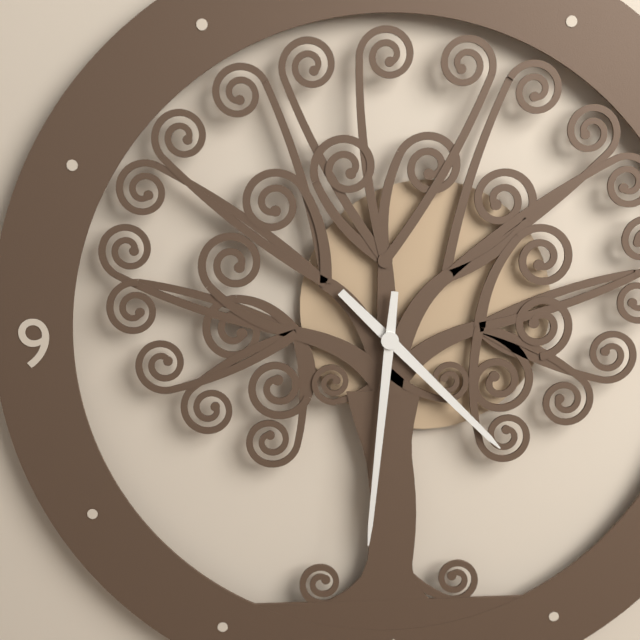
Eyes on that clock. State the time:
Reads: 4:31
